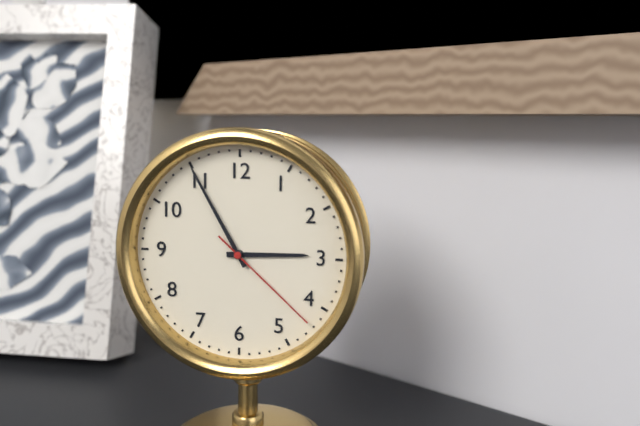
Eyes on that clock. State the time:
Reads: 2:55:22
